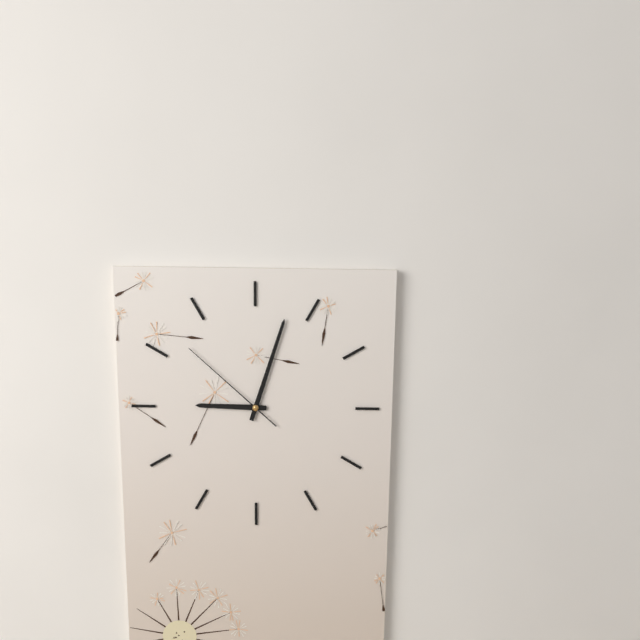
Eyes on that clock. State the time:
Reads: 9:03:52
